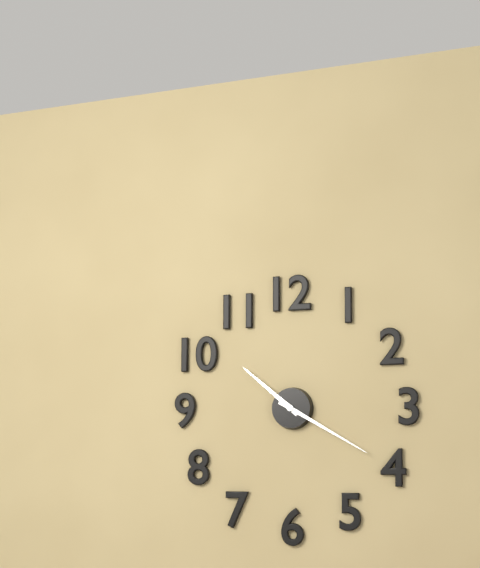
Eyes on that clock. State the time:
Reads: 10:20
